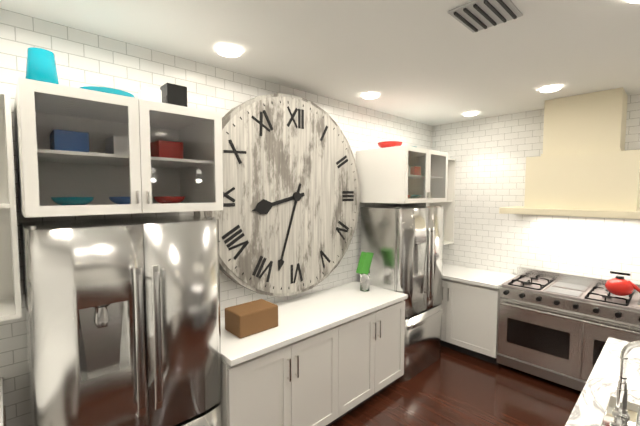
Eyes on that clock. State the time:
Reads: 8:33
